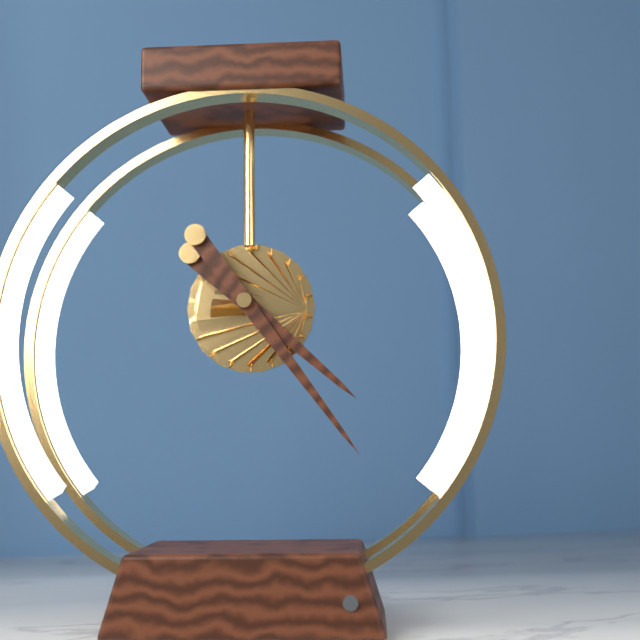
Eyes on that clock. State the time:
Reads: 4:24
